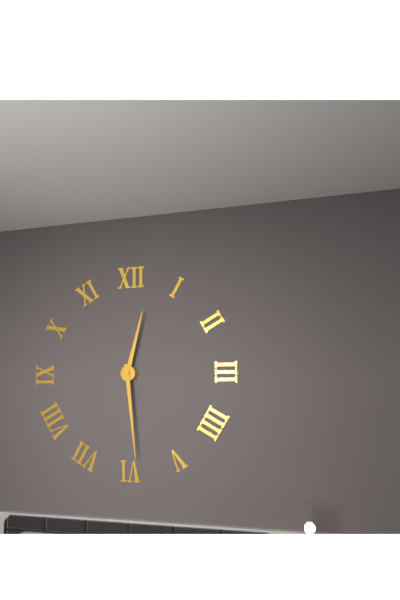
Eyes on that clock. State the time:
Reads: 12:29
